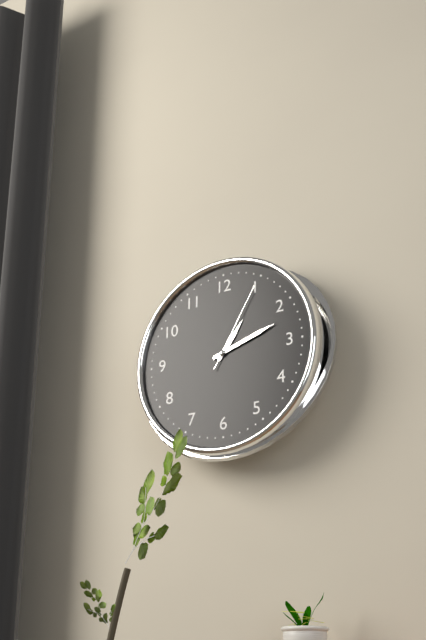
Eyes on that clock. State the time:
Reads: 1:12:05
